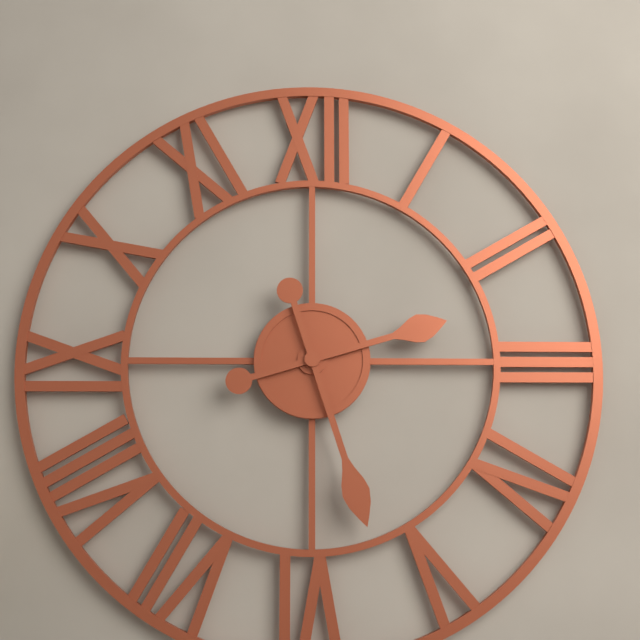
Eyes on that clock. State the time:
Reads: 2:27
